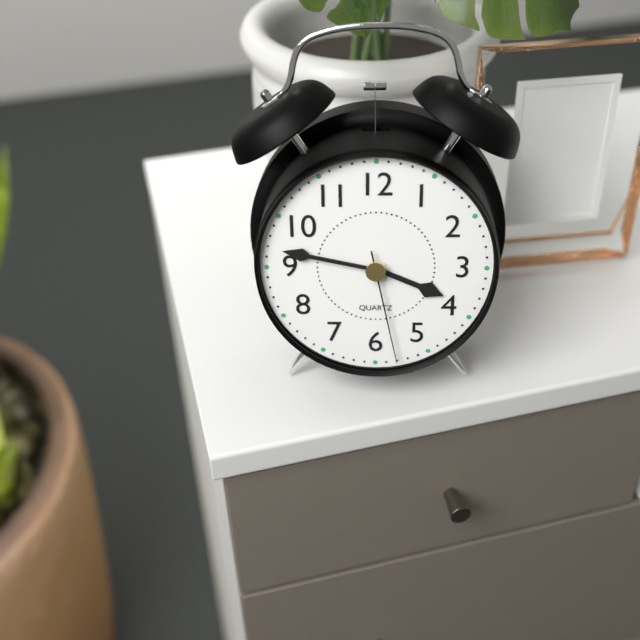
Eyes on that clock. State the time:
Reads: 3:47:28
